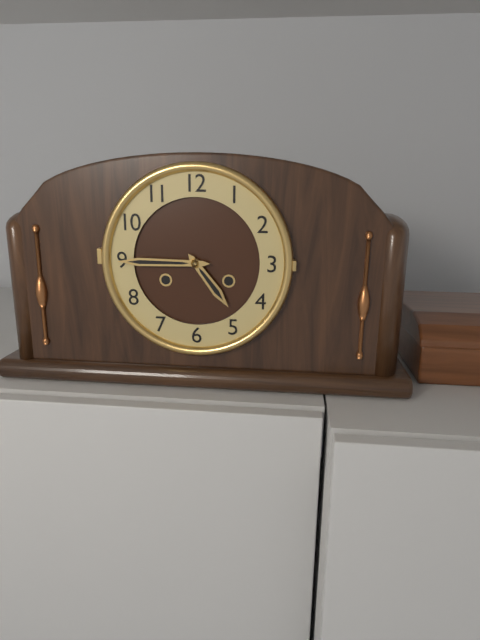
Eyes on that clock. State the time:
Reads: 4:45
